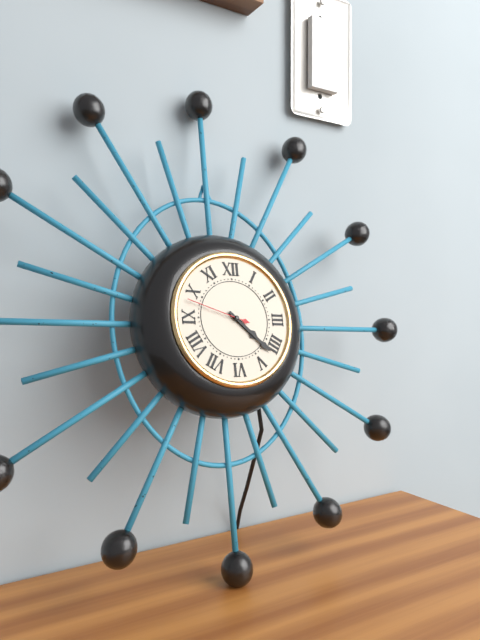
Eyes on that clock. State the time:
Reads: 4:22:48
